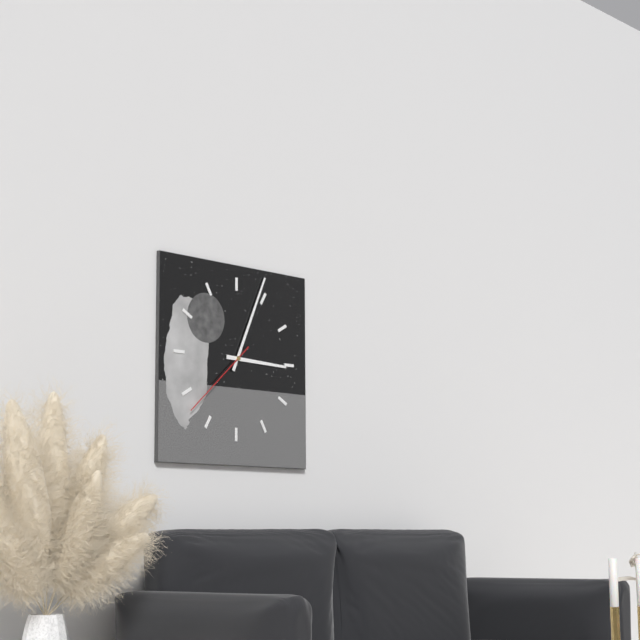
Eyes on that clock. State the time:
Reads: 3:04:38
